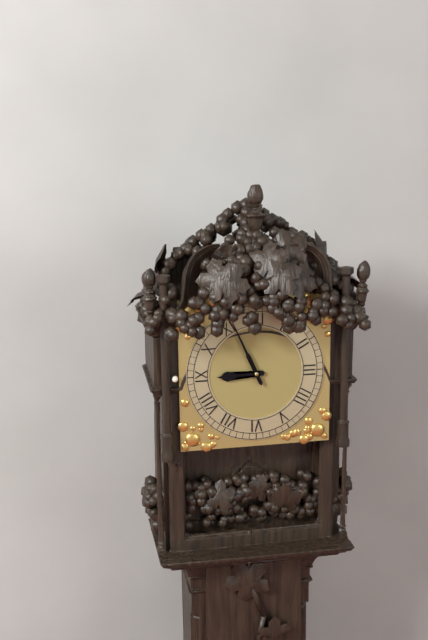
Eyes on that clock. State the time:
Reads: 8:56
